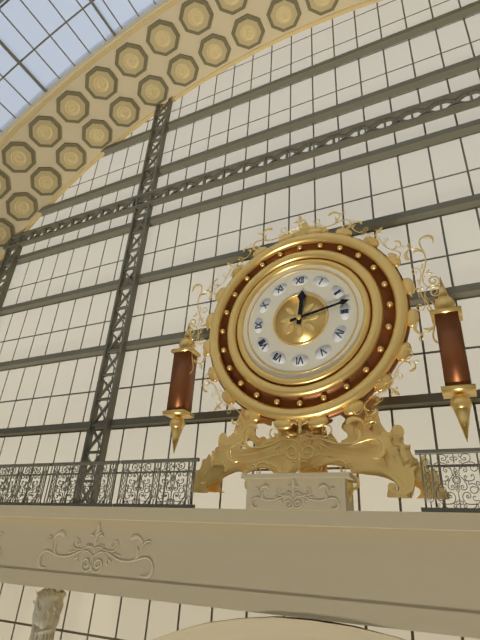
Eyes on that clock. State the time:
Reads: 12:13
